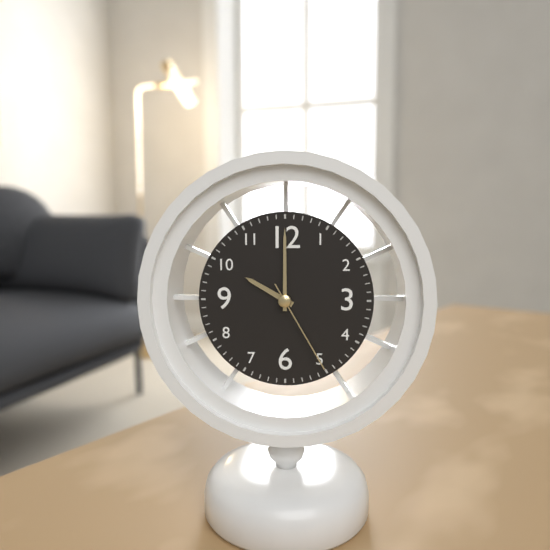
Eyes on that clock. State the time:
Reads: 10:00:25
